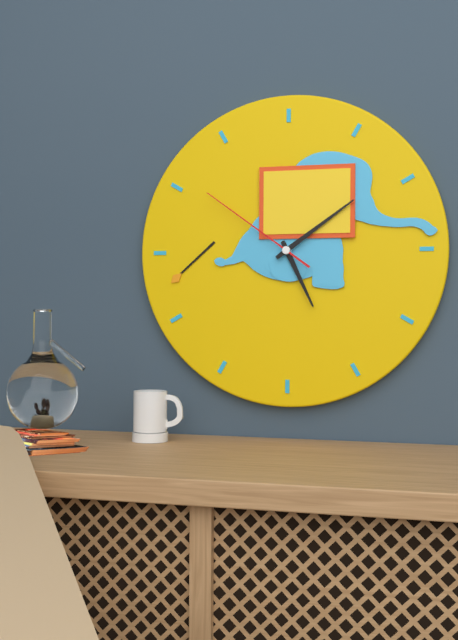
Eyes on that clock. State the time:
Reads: 5:09:51
